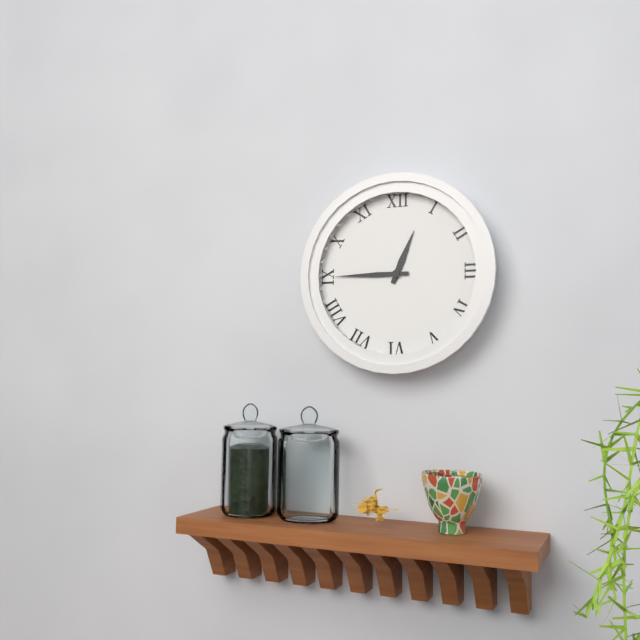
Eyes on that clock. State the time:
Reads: 12:45
